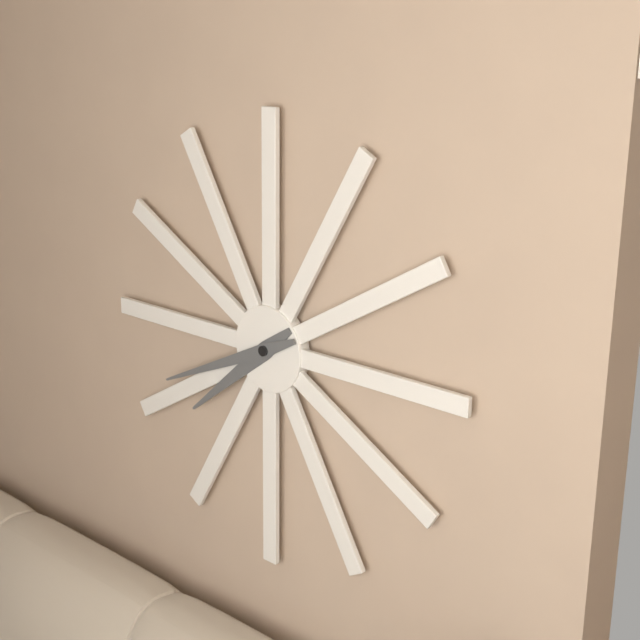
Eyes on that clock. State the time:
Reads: 7:41
